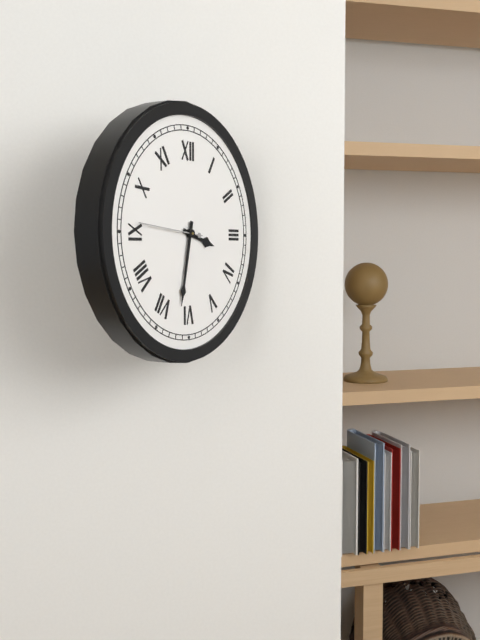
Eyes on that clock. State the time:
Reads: 3:32:46
